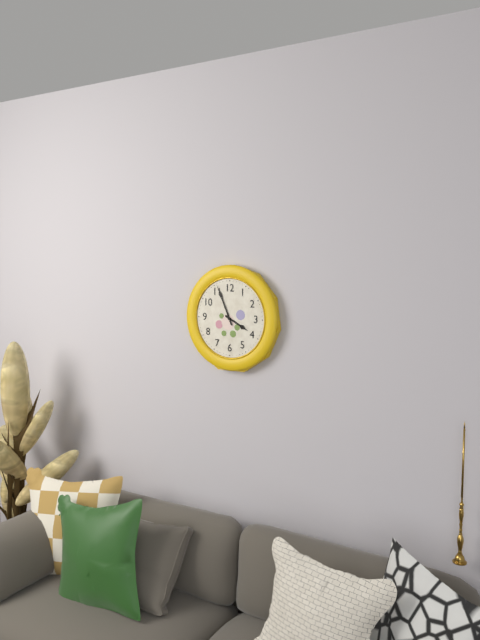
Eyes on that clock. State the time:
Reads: 3:56
